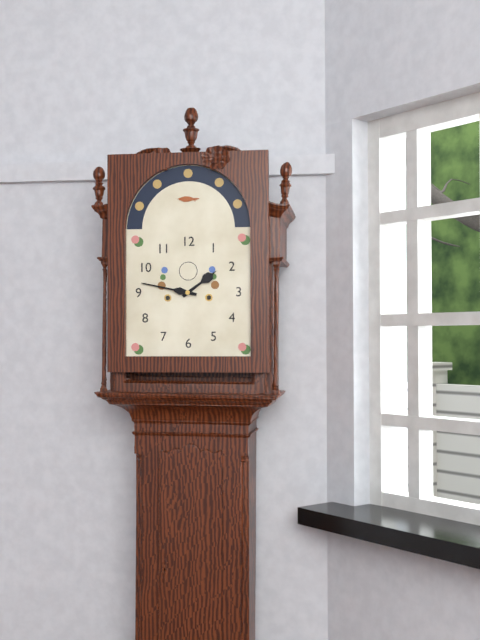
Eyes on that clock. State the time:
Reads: 1:47
